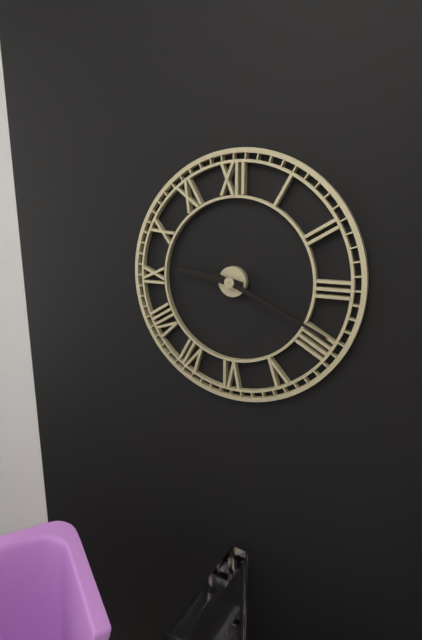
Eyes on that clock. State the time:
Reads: 9:19
